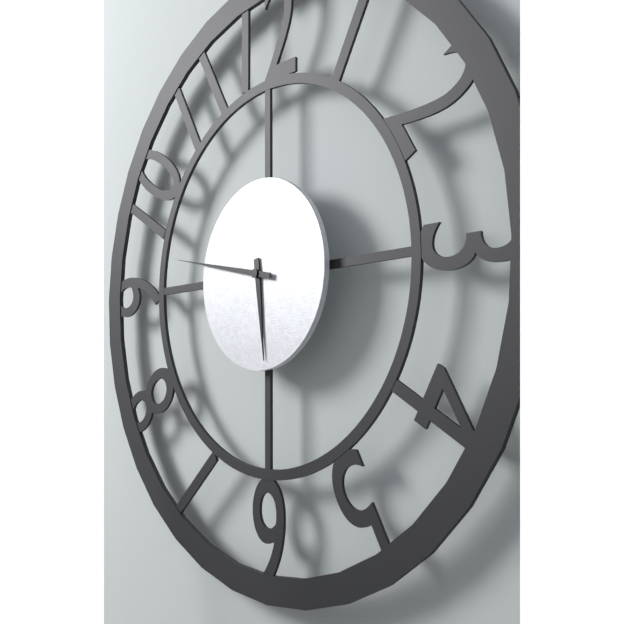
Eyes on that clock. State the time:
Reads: 5:47
